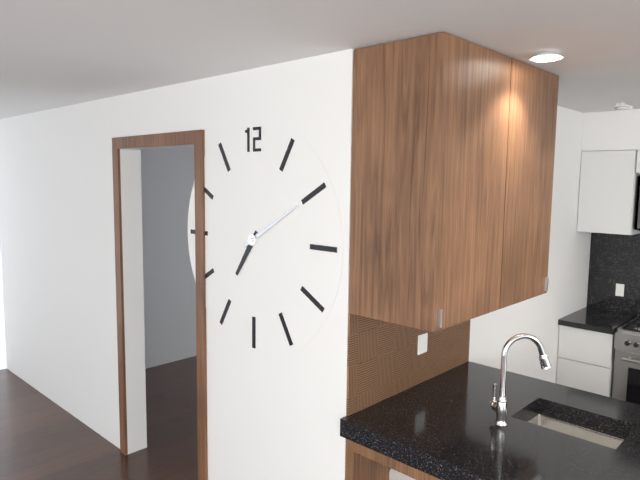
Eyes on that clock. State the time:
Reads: 7:10
